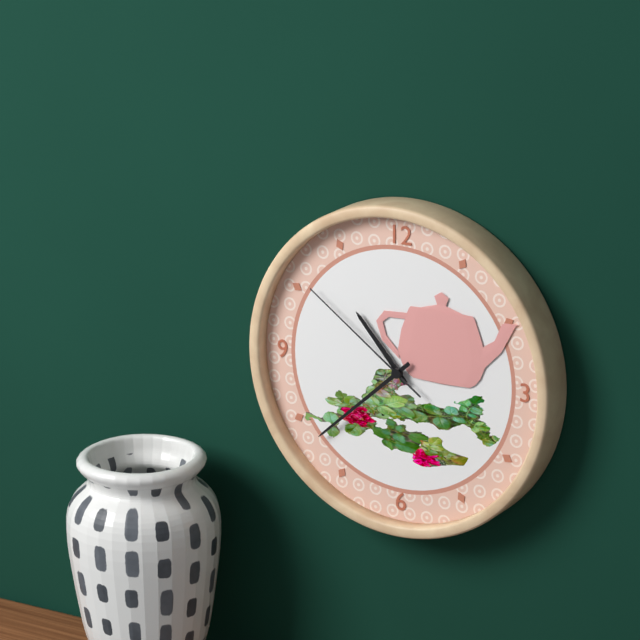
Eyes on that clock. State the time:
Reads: 10:38:51
